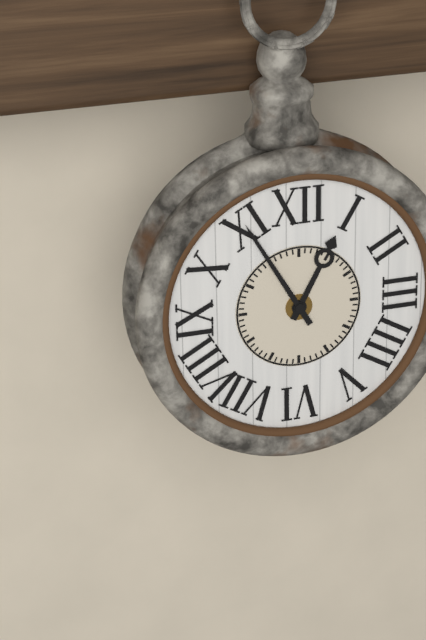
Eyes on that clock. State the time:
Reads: 12:55
